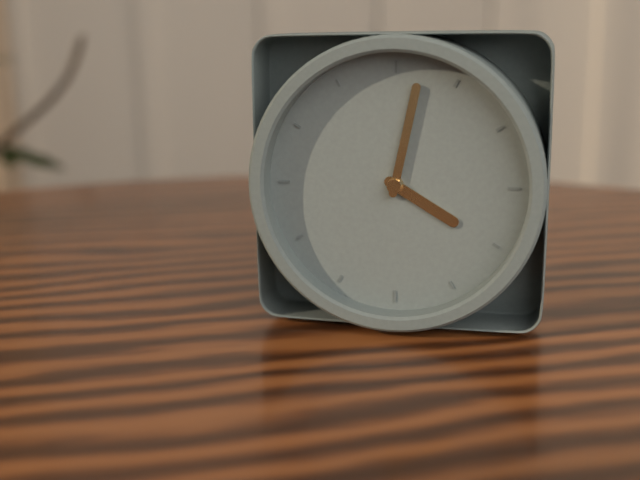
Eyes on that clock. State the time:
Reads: 4:02
